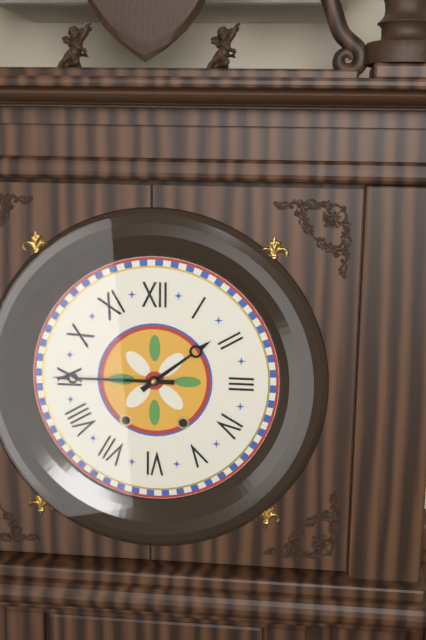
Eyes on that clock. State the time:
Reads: 1:45
